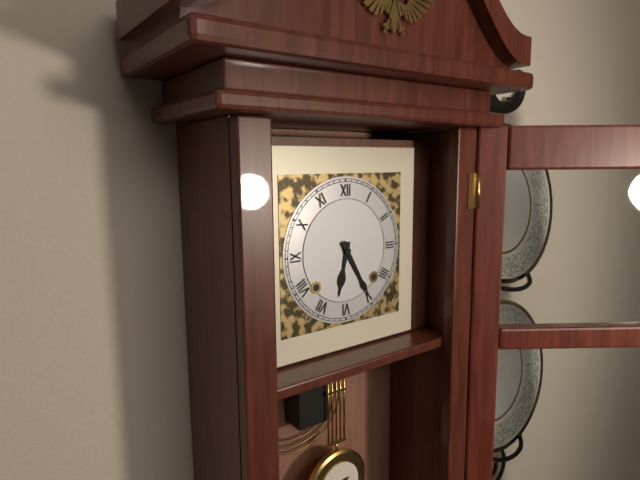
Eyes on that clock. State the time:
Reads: 6:25
